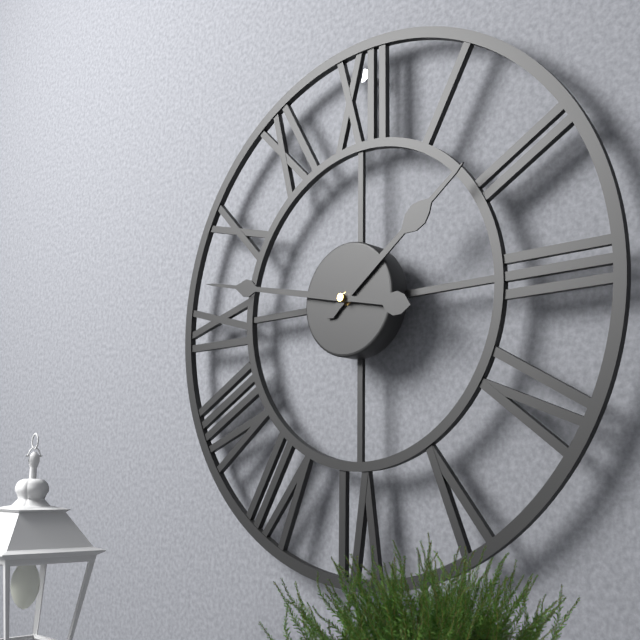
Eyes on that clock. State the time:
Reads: 1:47
